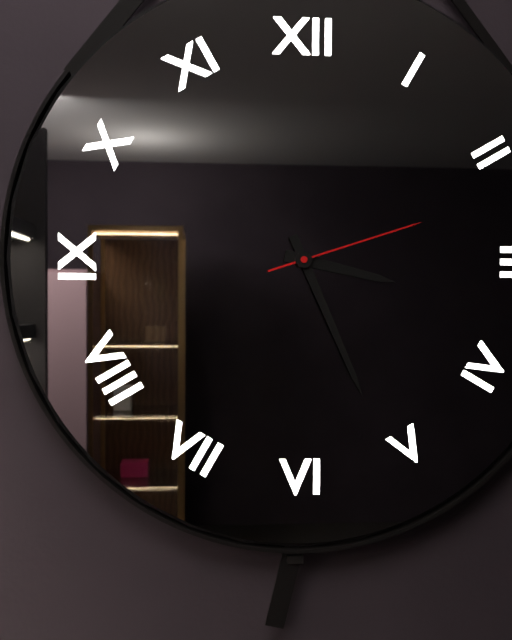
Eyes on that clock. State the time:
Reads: 3:26:12
